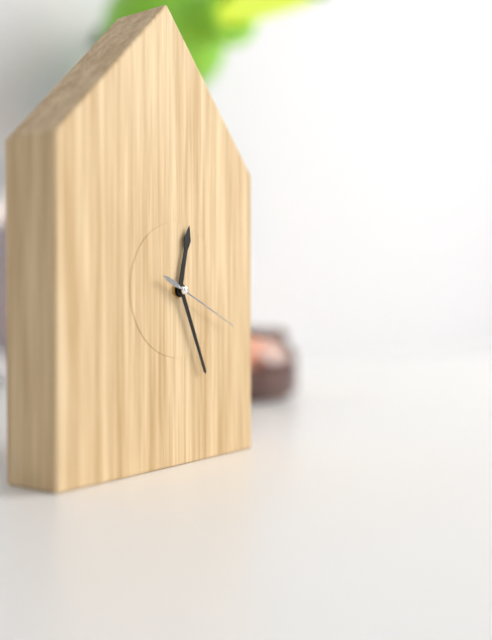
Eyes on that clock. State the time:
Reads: 12:26:19
